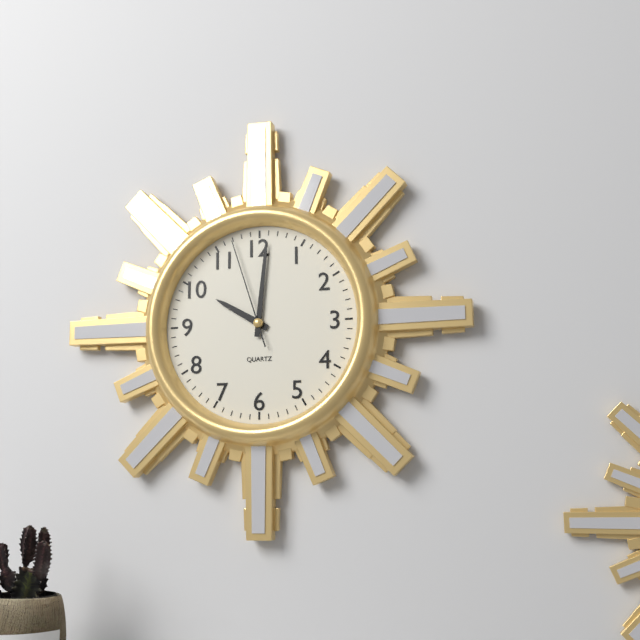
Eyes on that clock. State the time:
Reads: 10:01:57
